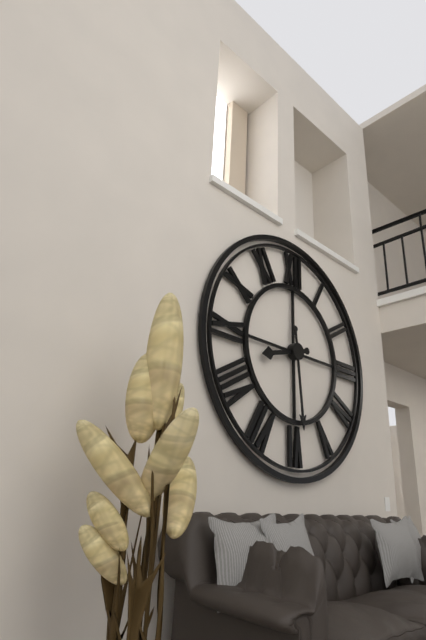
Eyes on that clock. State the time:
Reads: 8:29
